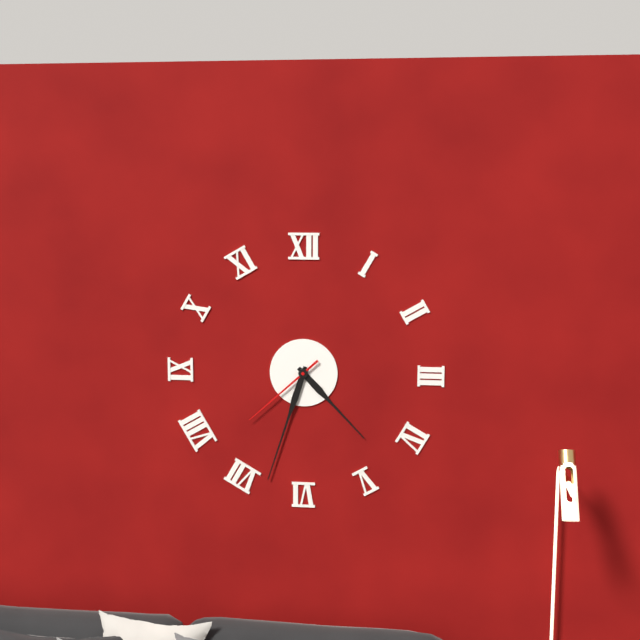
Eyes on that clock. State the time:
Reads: 4:33:38
